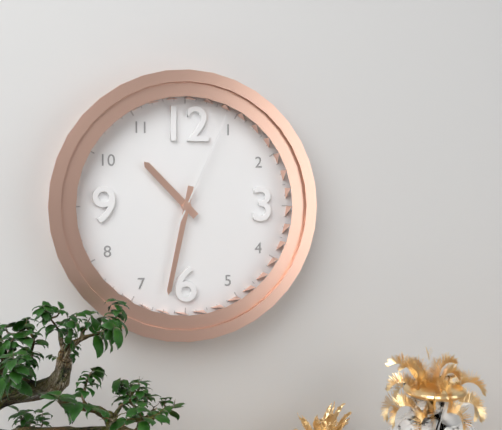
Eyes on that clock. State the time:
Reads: 10:32:04
